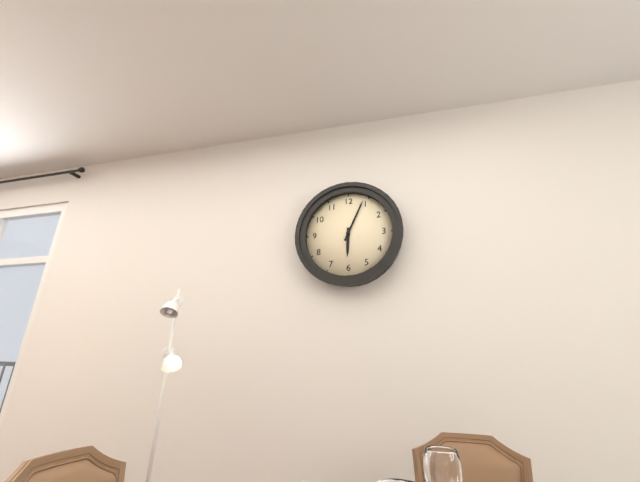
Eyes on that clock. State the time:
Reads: 6:04
